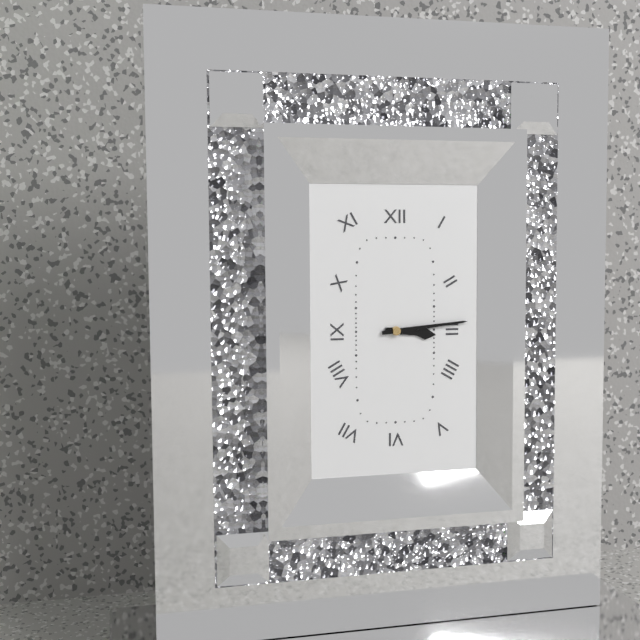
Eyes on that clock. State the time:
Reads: 3:14
